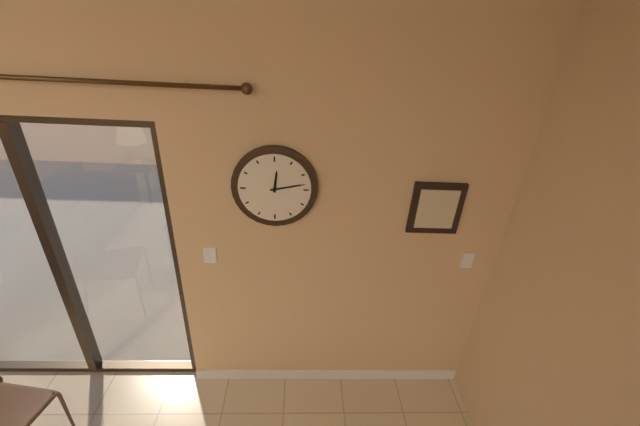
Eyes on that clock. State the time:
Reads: 12:13
